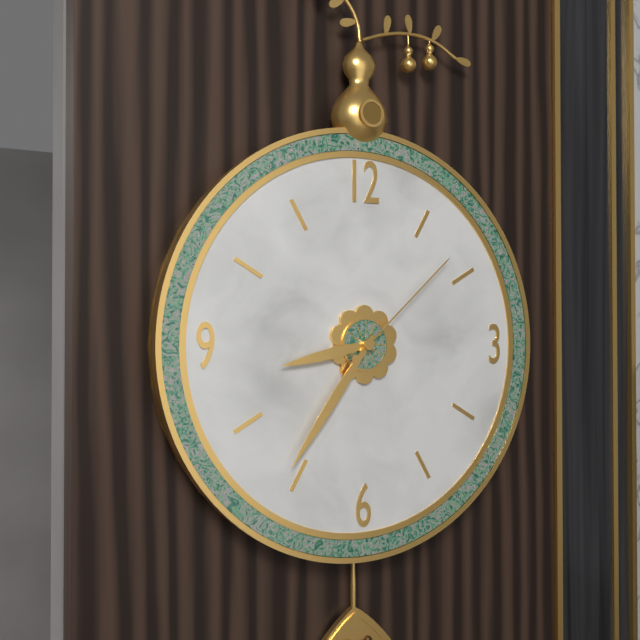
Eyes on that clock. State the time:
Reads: 8:36:08
